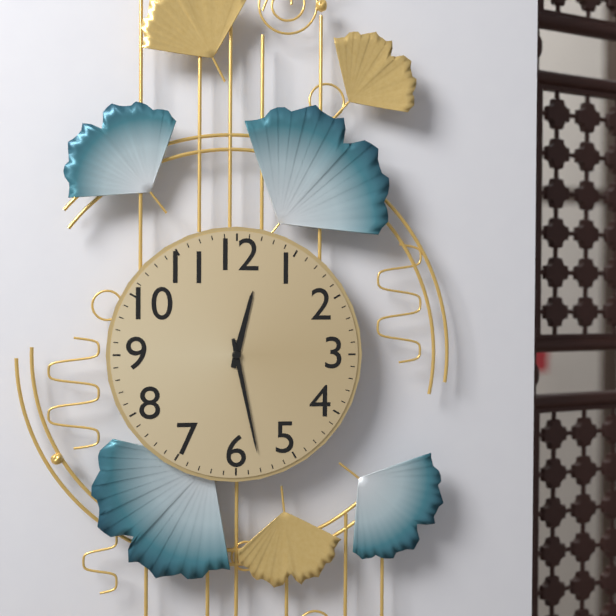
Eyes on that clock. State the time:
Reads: 12:28
